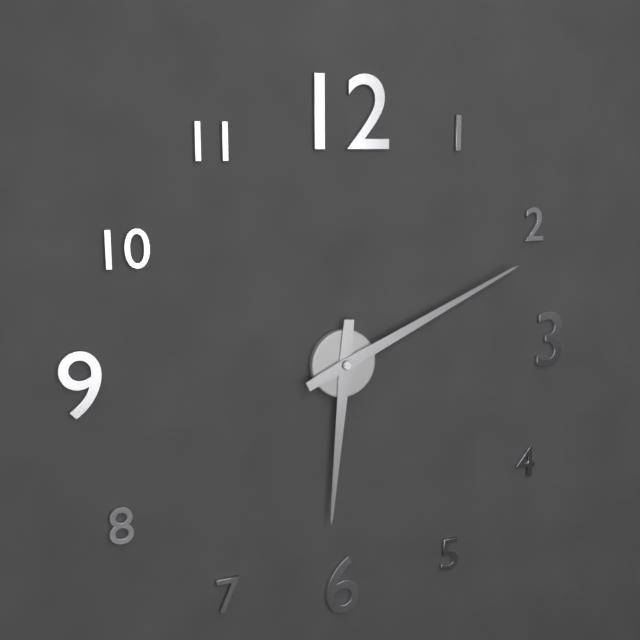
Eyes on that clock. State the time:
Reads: 6:11
